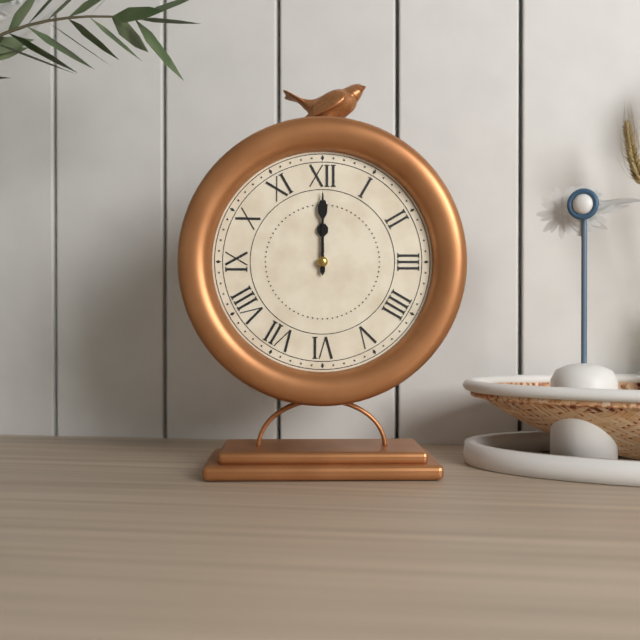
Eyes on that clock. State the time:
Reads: 12:00
